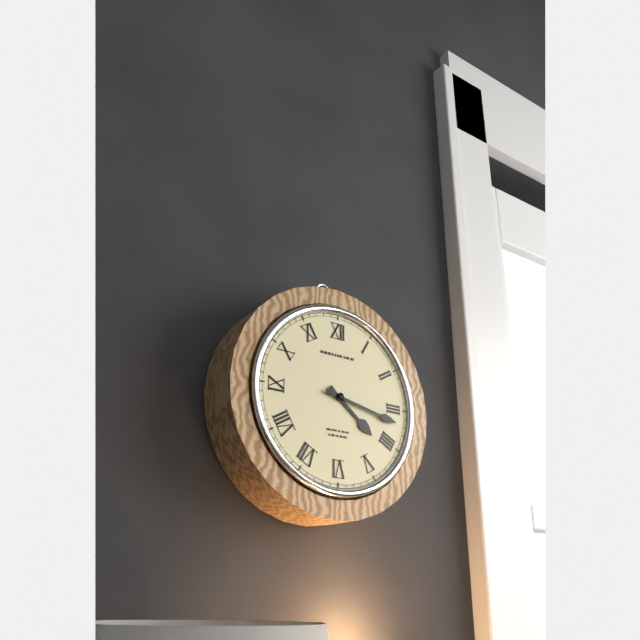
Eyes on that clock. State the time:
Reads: 4:17
